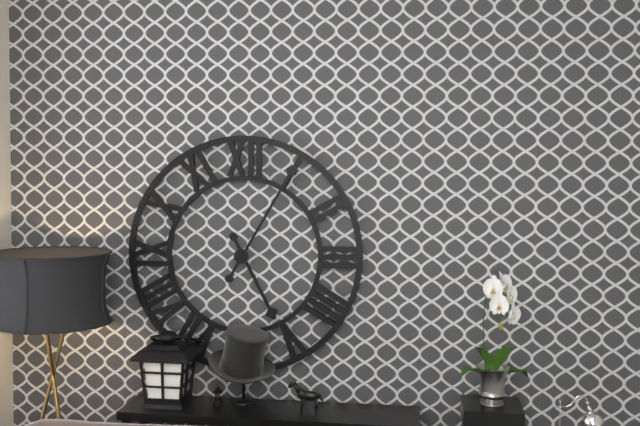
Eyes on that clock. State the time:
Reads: 5:05
